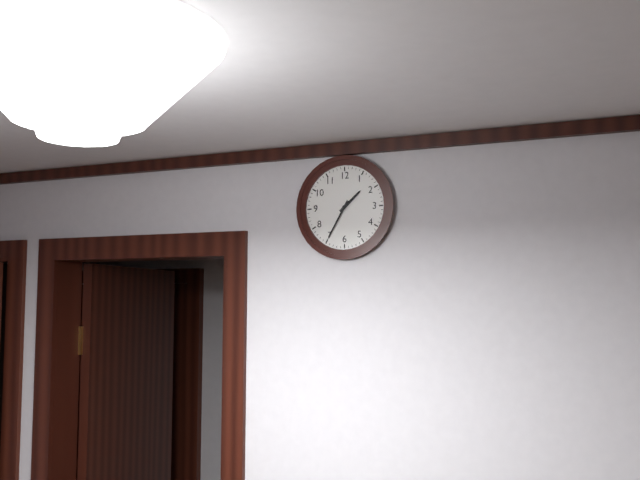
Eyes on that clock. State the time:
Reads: 1:35
